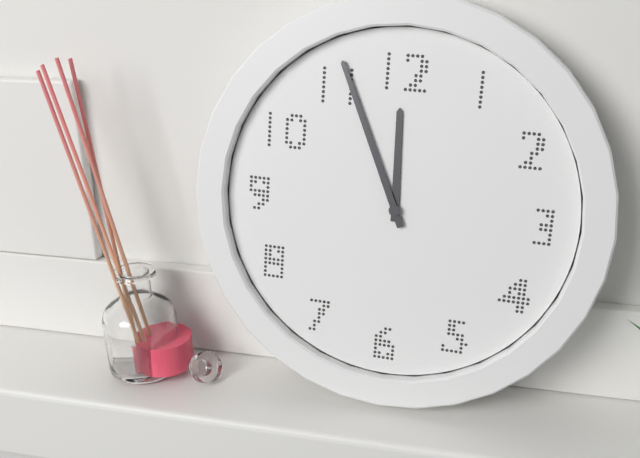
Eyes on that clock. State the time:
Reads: 11:56
